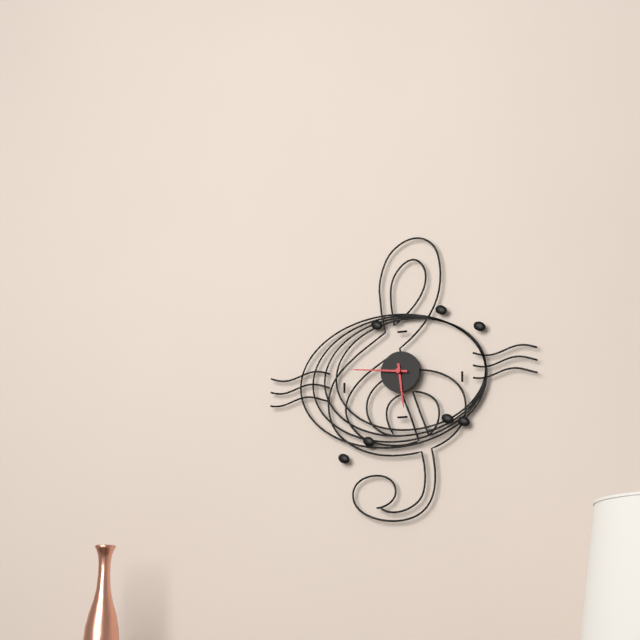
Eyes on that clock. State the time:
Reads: 5:46
